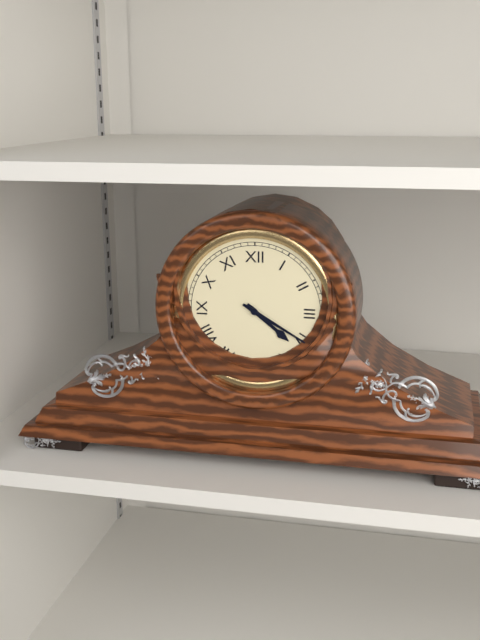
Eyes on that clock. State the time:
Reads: 4:20
